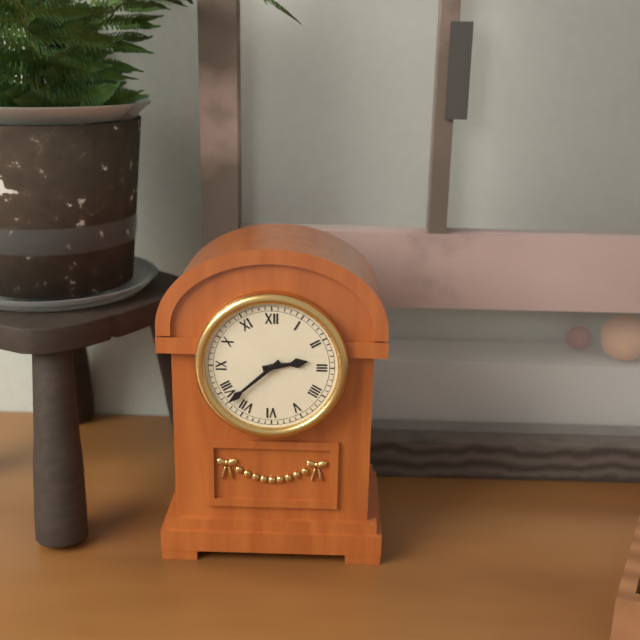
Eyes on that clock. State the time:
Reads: 2:38
